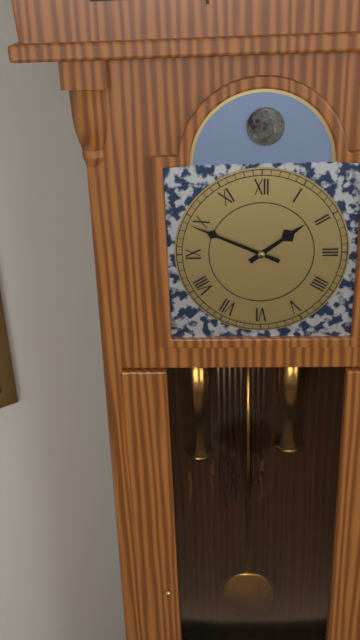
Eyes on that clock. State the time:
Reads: 1:49
